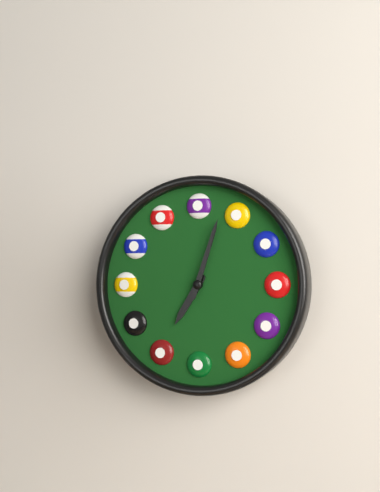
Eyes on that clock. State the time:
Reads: 7:03
